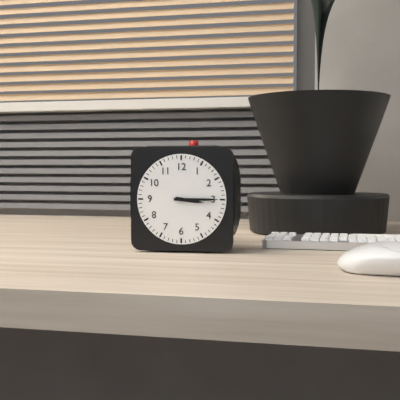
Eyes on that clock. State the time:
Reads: 3:15
